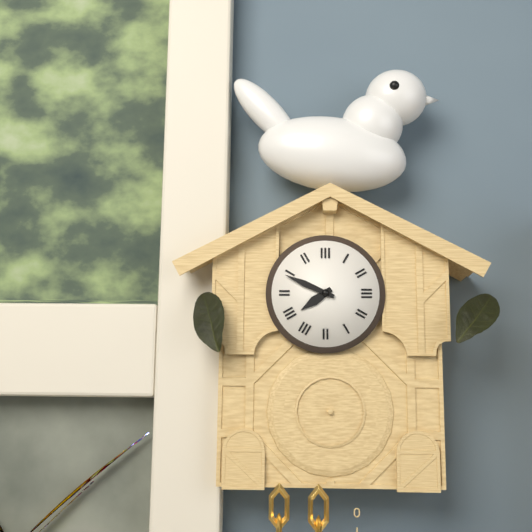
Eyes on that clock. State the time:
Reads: 7:49
